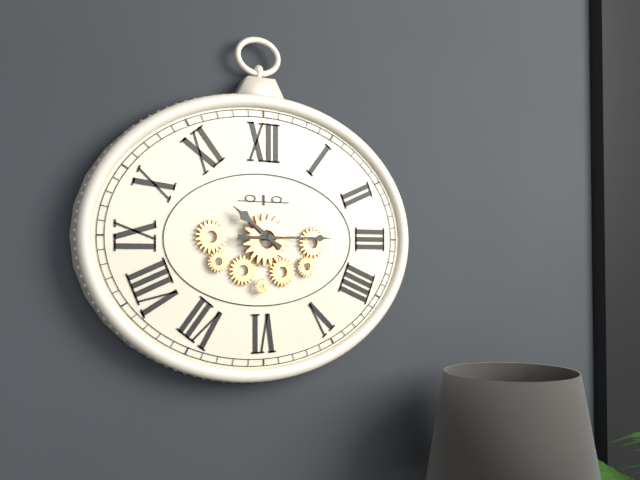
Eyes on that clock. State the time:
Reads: 10:15
